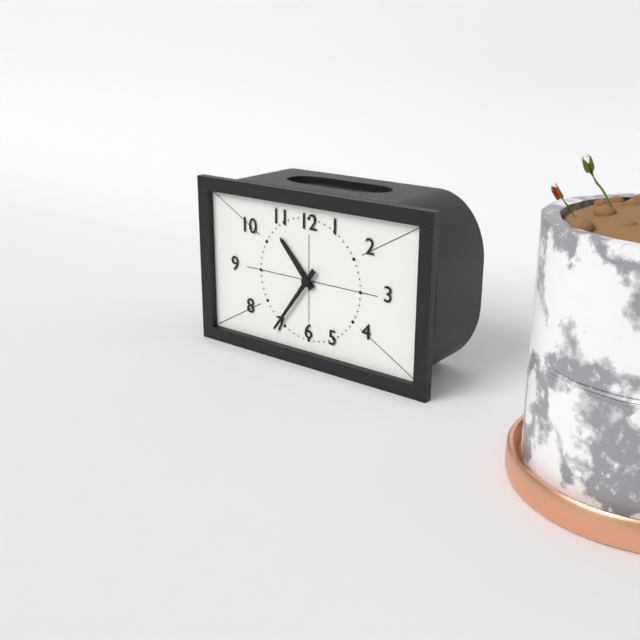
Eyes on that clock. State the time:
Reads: 10:36
